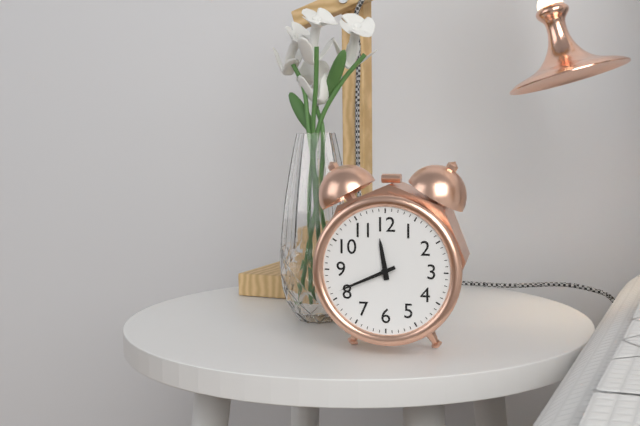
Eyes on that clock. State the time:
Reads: 11:41
